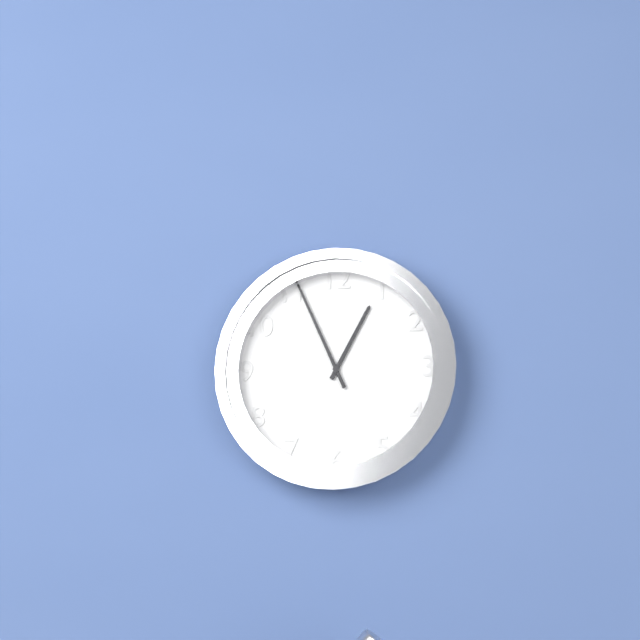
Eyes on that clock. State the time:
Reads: 12:56
